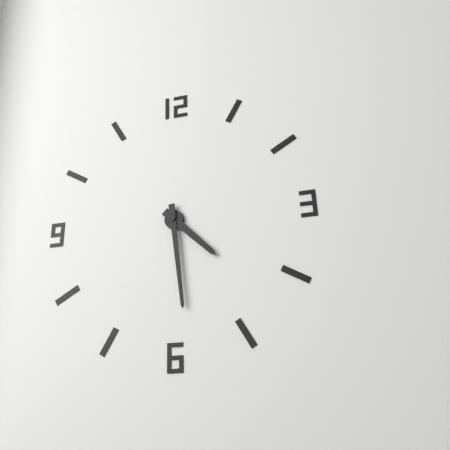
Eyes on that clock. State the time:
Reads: 4:29
